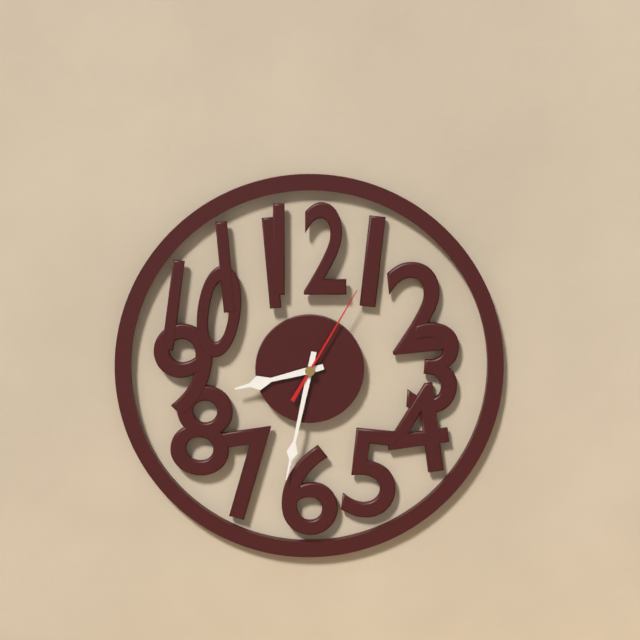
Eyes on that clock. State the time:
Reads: 8:32:05
